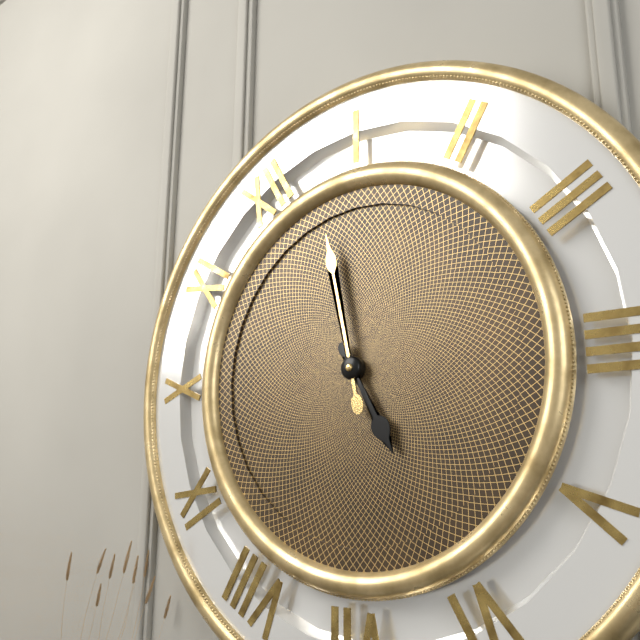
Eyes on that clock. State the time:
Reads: 6:03
